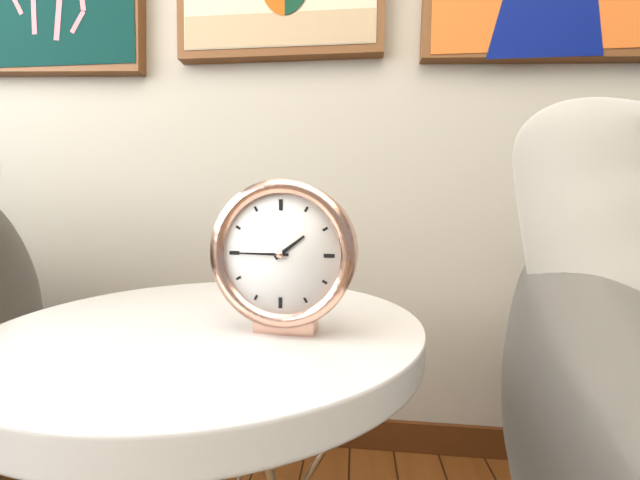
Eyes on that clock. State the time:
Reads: 1:45
